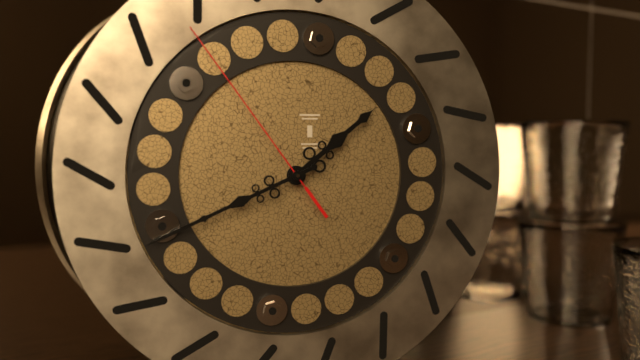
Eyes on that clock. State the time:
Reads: 1:41:54
